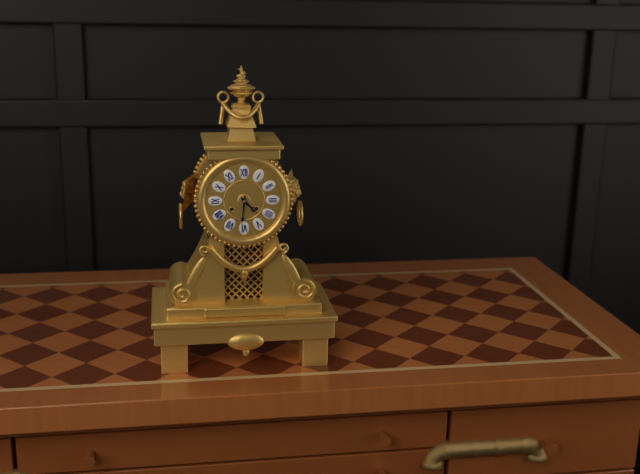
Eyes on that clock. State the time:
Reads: 4:31
